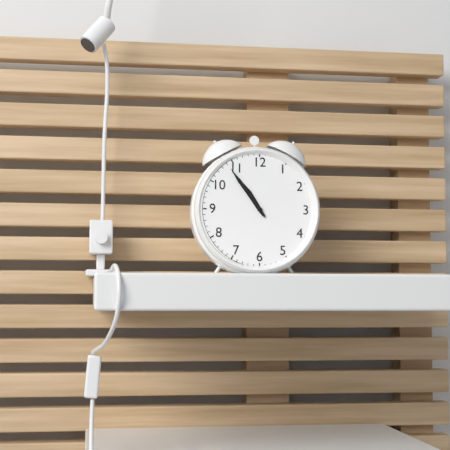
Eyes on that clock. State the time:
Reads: 10:54
